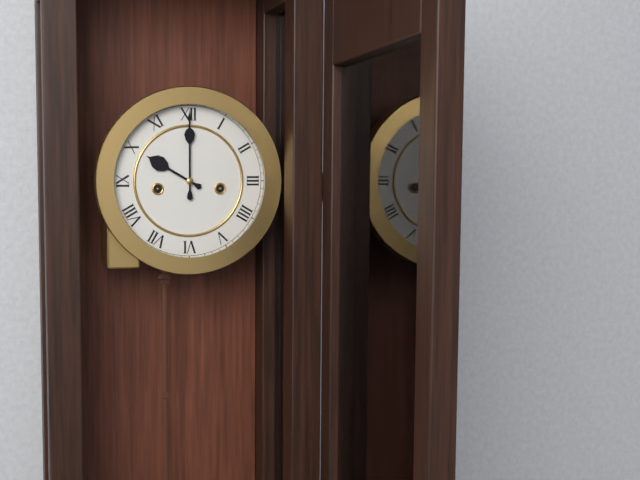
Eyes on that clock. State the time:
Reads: 10:00
